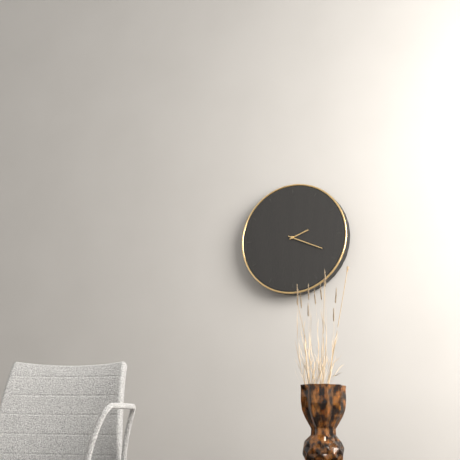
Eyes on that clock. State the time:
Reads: 2:19
